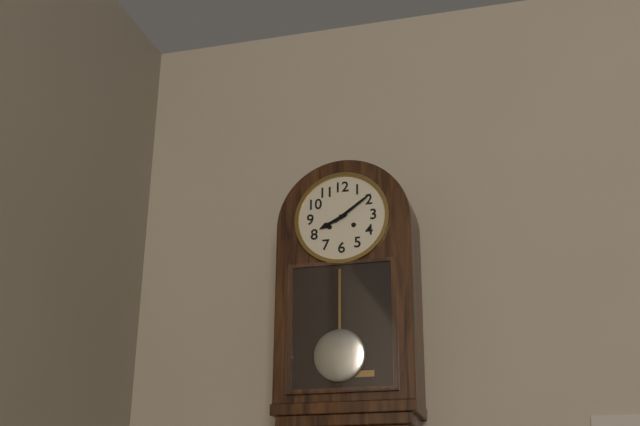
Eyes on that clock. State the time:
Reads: 8:09
